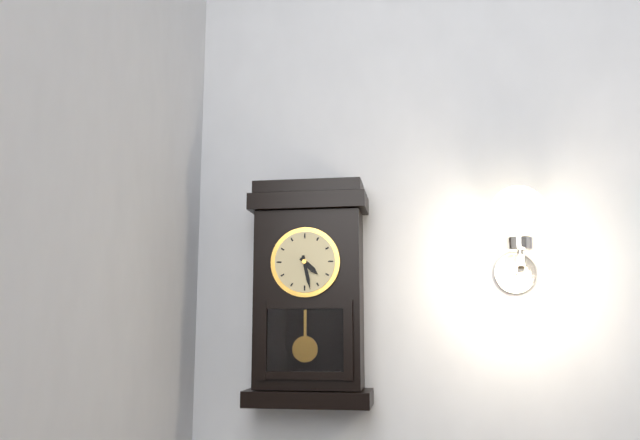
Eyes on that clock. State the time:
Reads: 4:28
